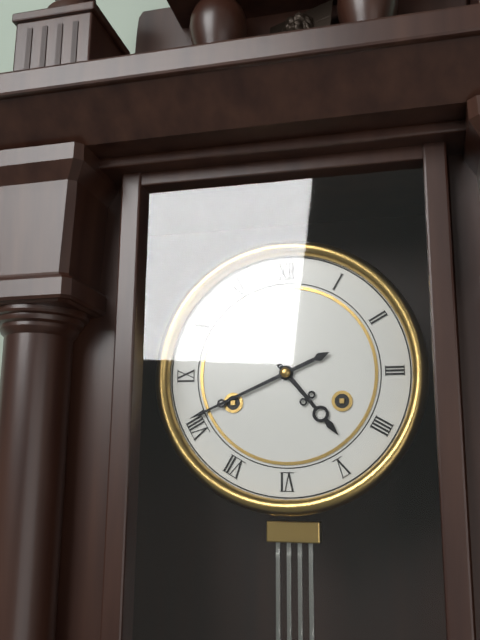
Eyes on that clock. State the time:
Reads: 4:41
